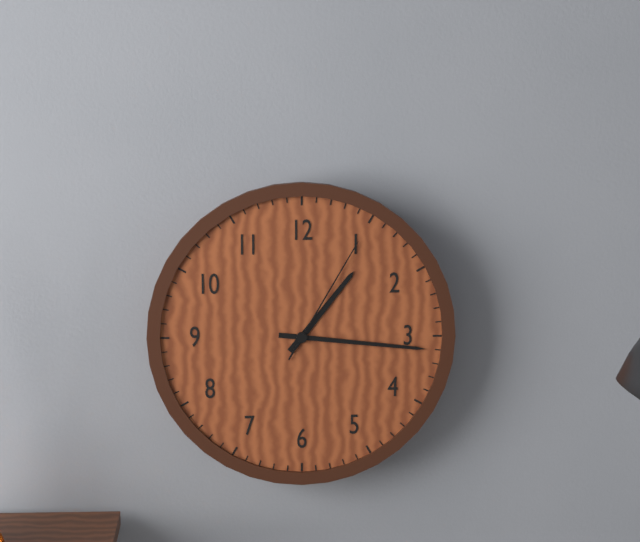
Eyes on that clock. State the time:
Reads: 1:16:05
